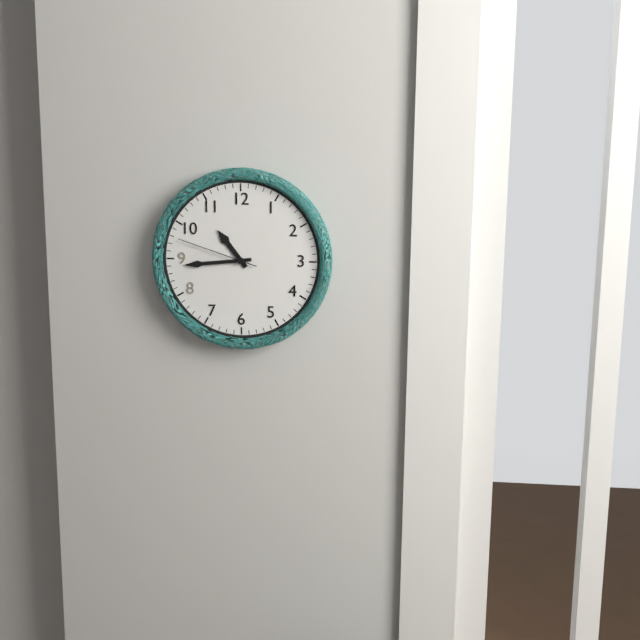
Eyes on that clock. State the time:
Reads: 10:44:48
